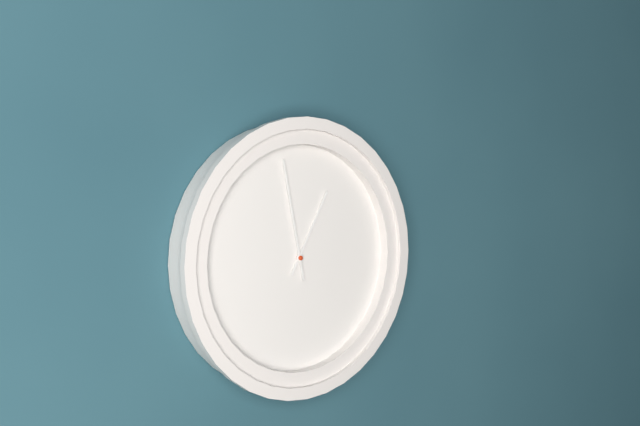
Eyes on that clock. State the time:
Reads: 12:58
